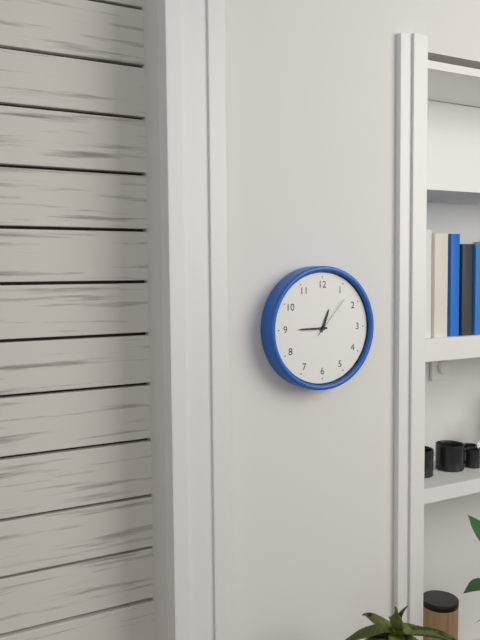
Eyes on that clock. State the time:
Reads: 12:45
